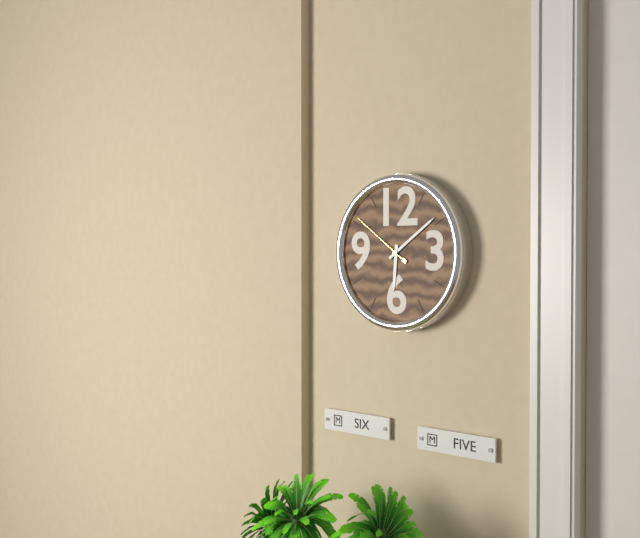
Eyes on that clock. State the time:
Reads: 6:09:51
